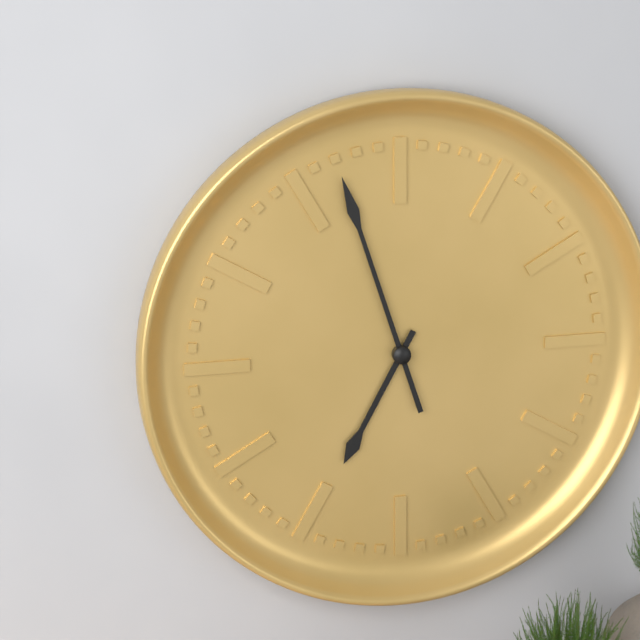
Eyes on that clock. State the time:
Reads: 6:57
